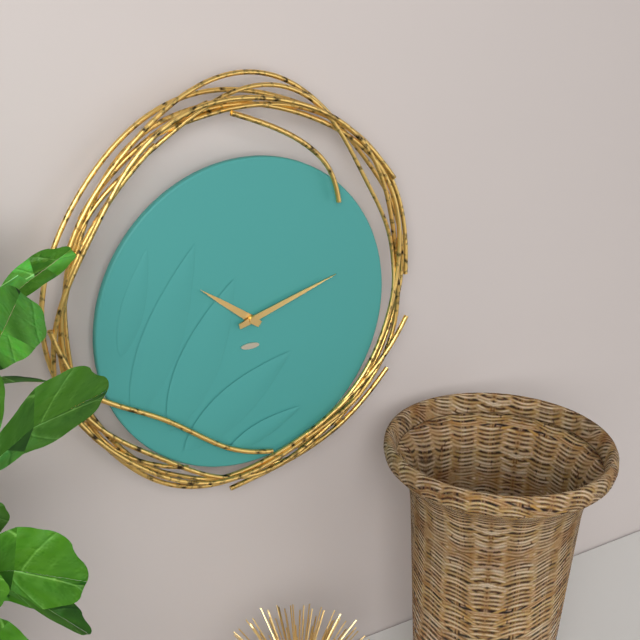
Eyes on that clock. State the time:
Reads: 10:12
